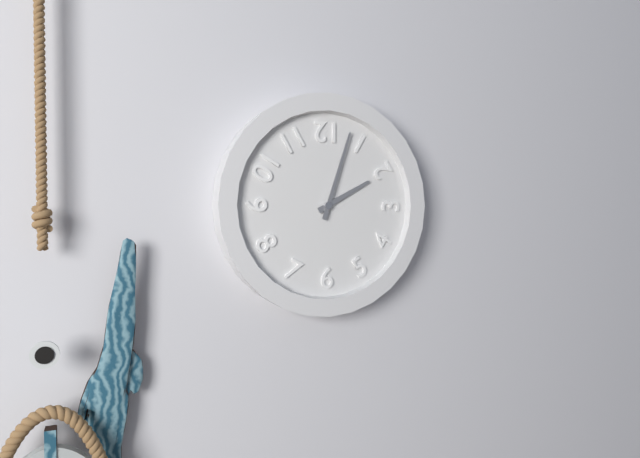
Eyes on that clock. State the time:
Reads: 2:03
